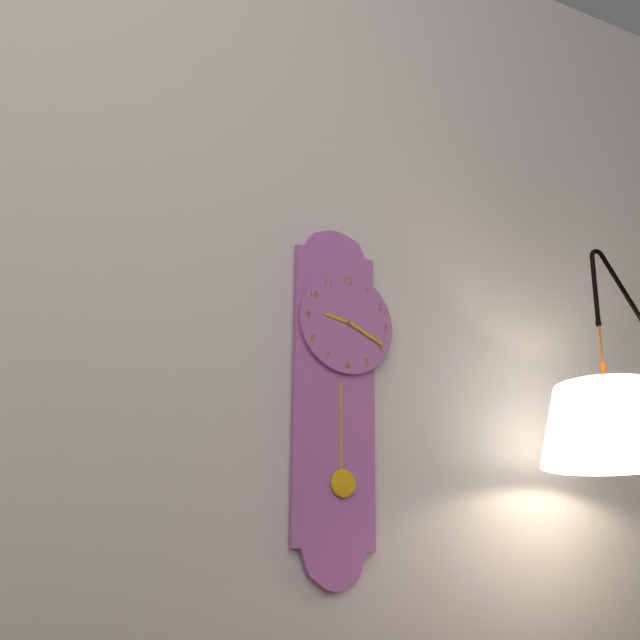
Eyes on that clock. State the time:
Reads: 9:19
